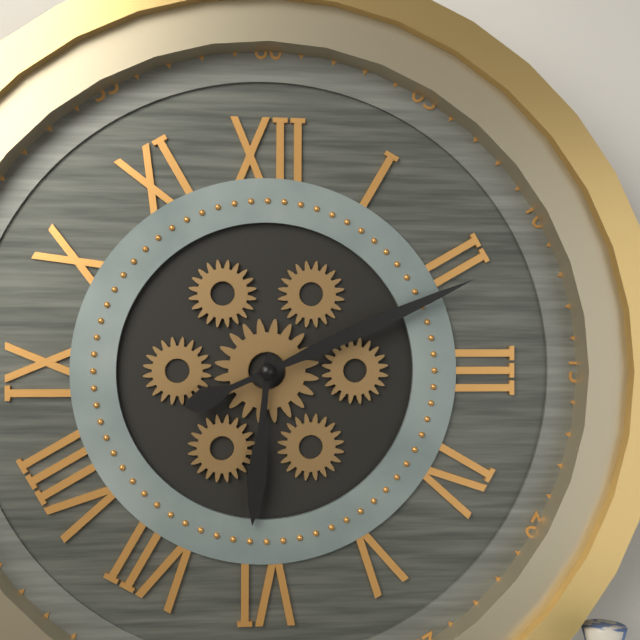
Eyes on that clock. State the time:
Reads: 6:11
